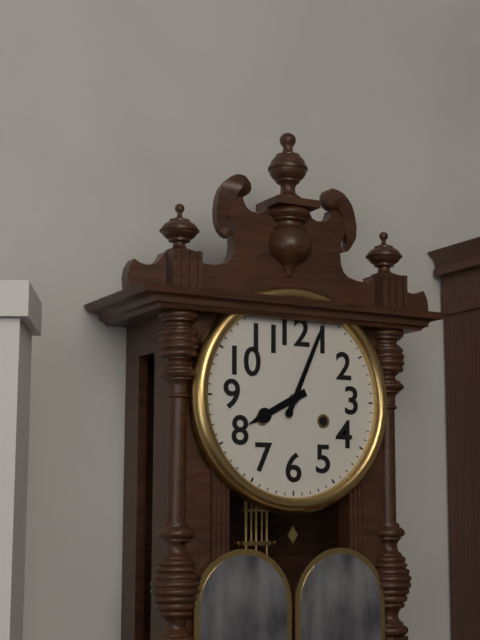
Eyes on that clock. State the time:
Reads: 8:04
